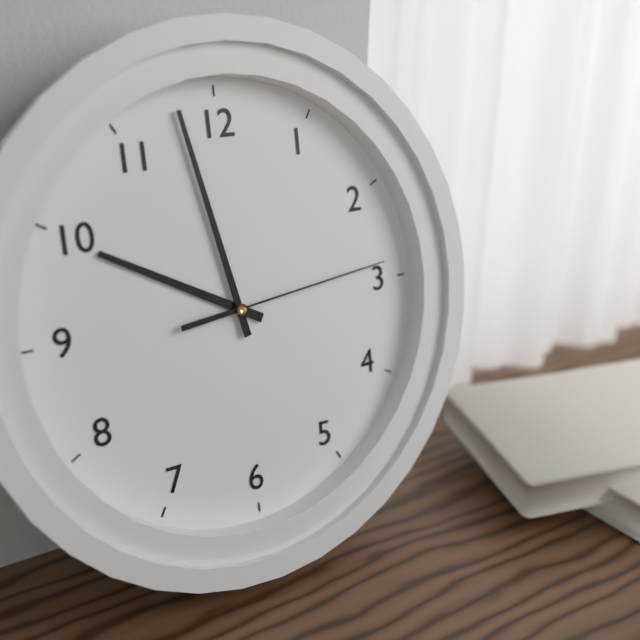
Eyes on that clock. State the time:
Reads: 9:58:14
